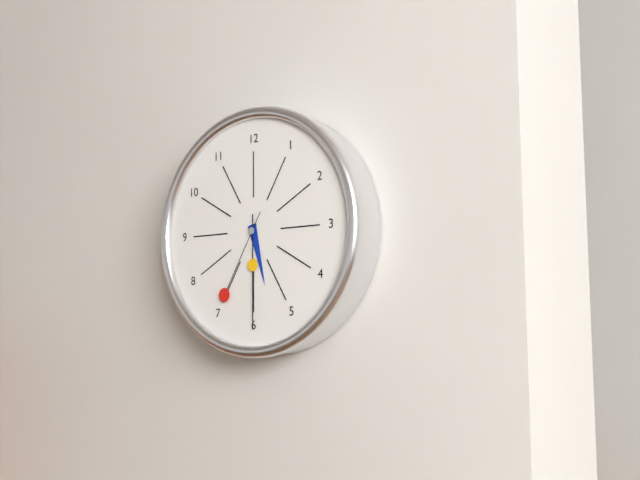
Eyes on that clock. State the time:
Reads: 5:30:35
